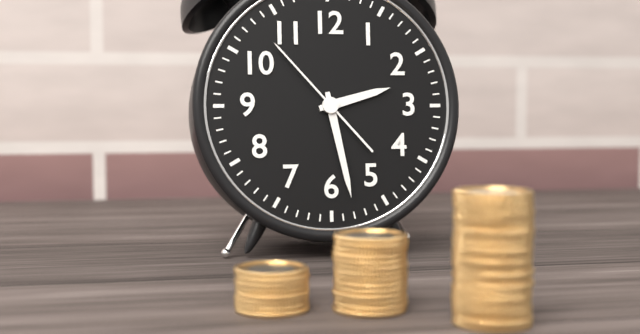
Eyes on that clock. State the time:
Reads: 2:28:53
